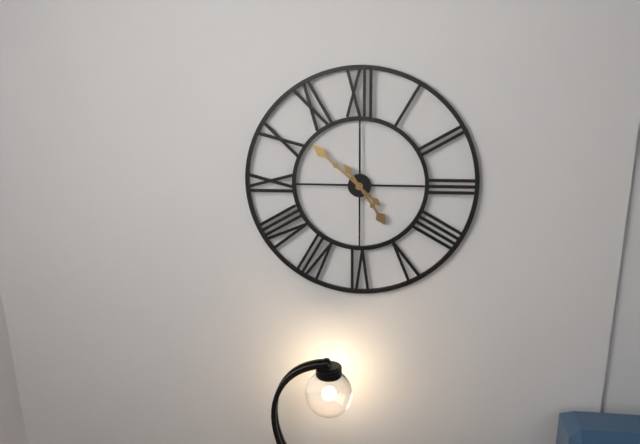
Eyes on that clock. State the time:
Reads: 4:52
